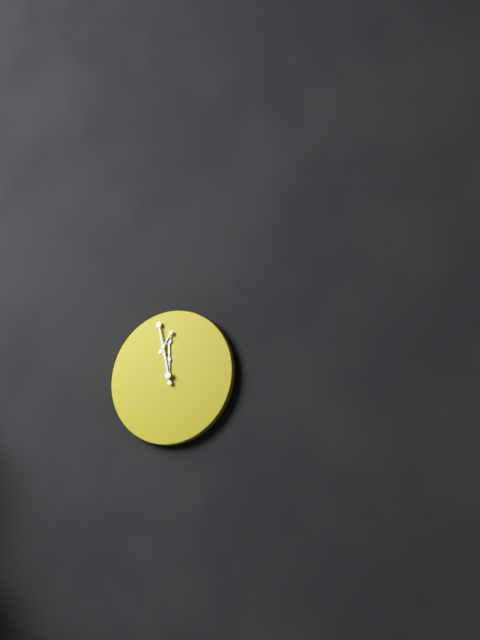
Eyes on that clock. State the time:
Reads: 11:58
